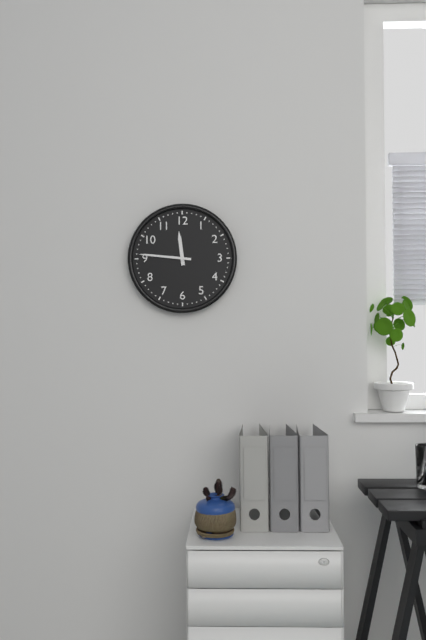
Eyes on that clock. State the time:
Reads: 11:46
